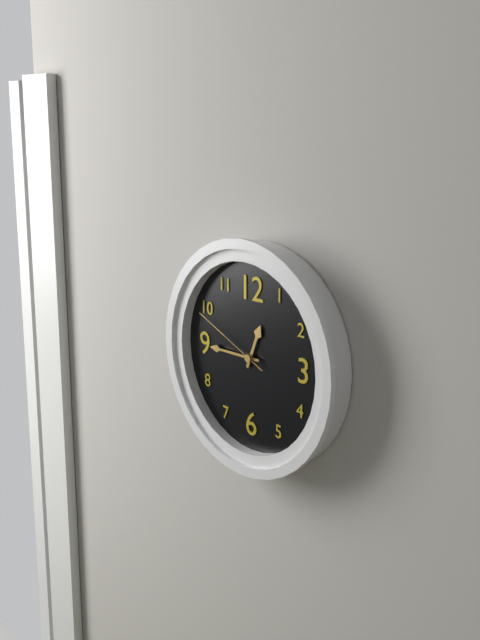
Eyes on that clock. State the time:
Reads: 12:45:49
